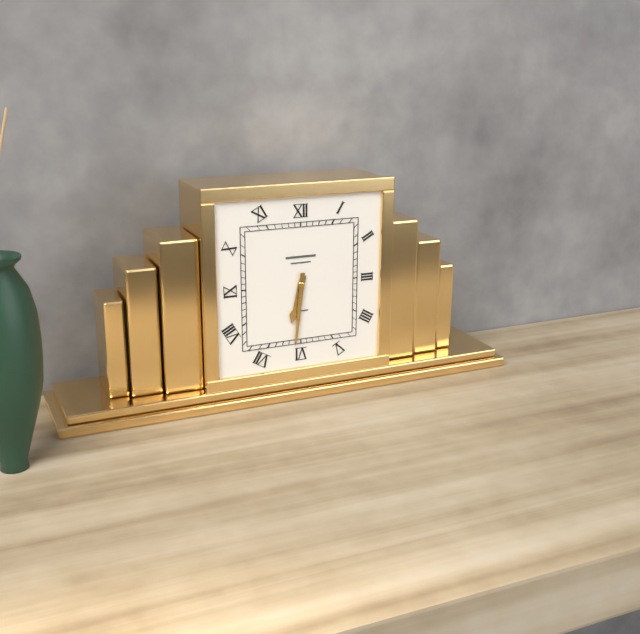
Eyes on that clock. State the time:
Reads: 6:31
